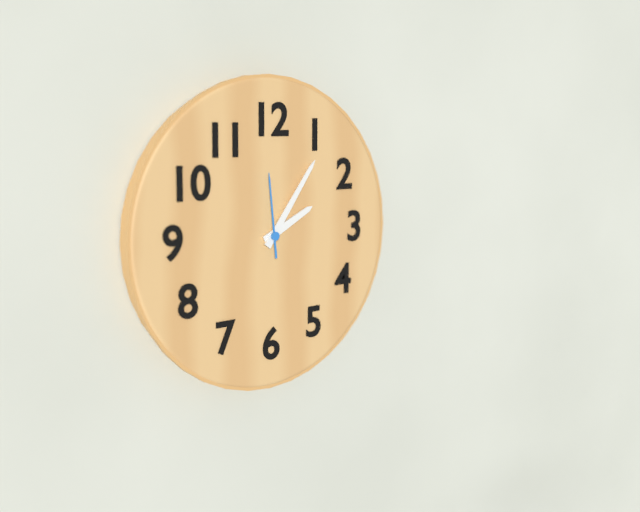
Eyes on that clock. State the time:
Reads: 2:06:59
